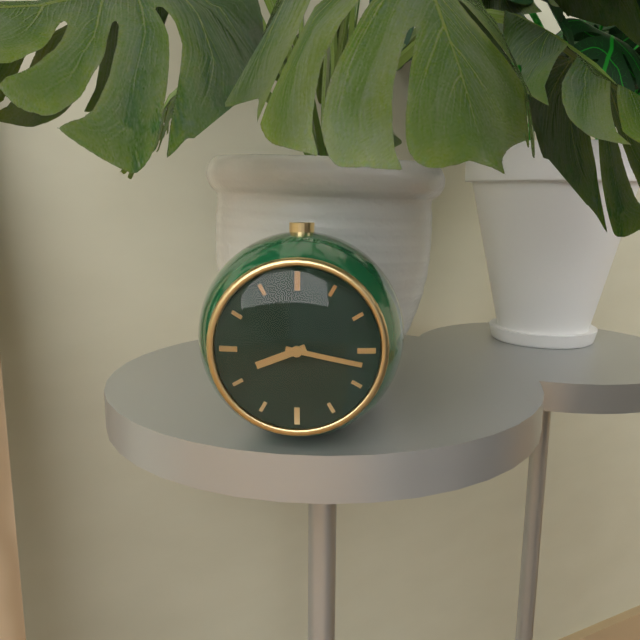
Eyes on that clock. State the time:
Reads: 8:17
